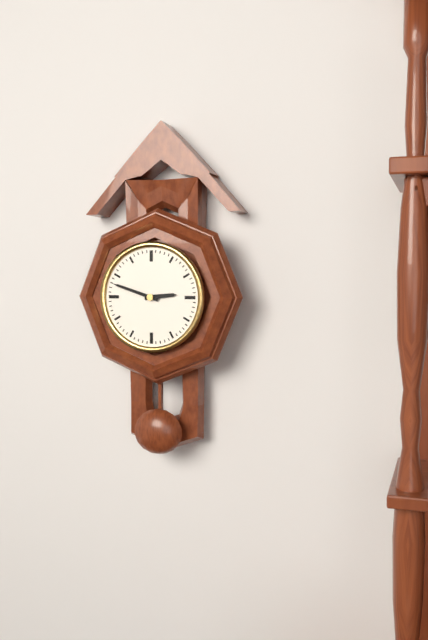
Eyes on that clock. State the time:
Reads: 2:48
